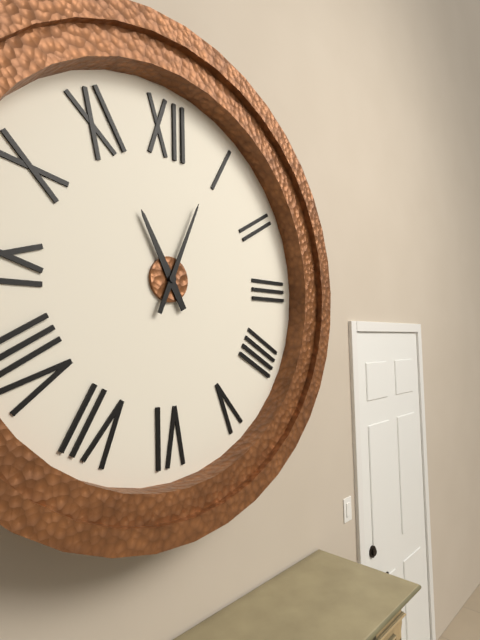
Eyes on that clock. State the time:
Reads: 11:04
